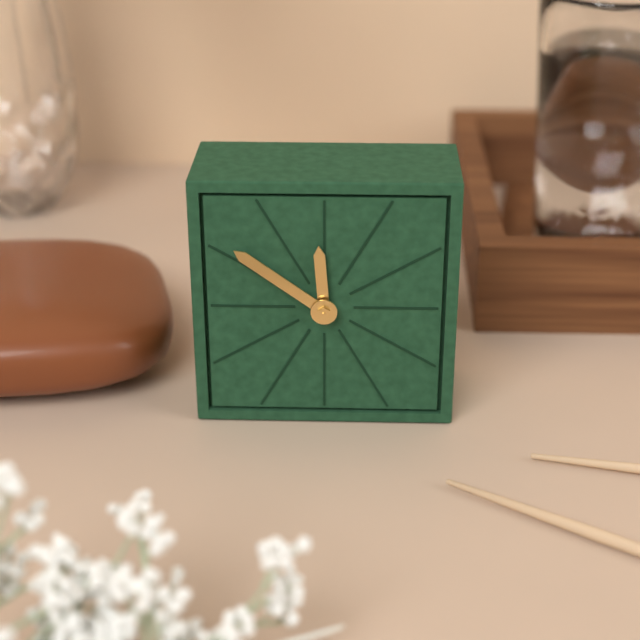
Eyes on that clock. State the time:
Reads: 11:51
